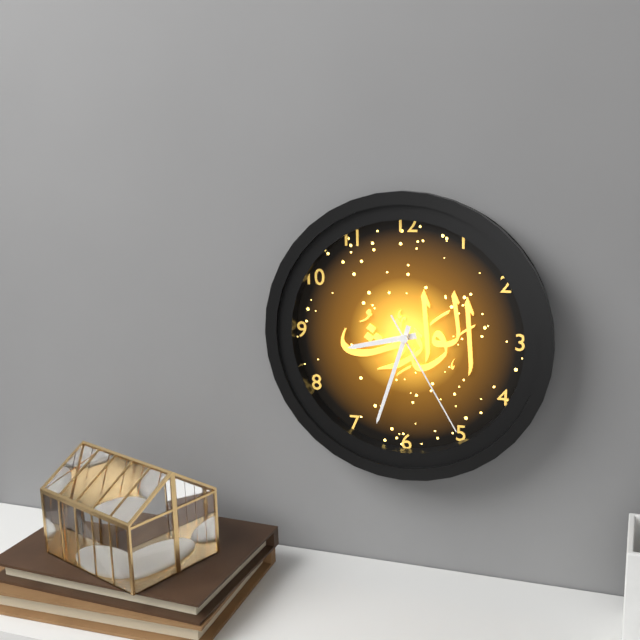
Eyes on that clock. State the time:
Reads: 8:33:25
